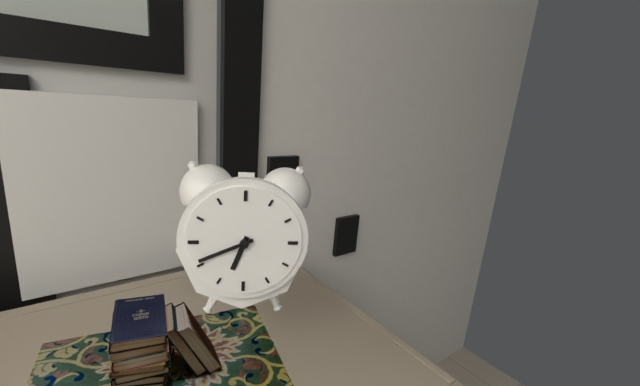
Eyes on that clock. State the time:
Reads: 6:41
